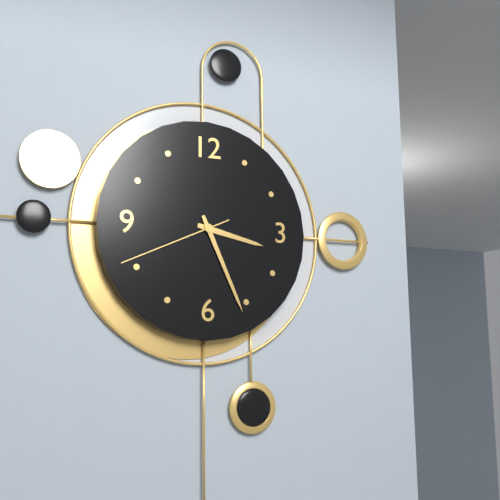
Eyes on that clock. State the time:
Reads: 3:26:41
